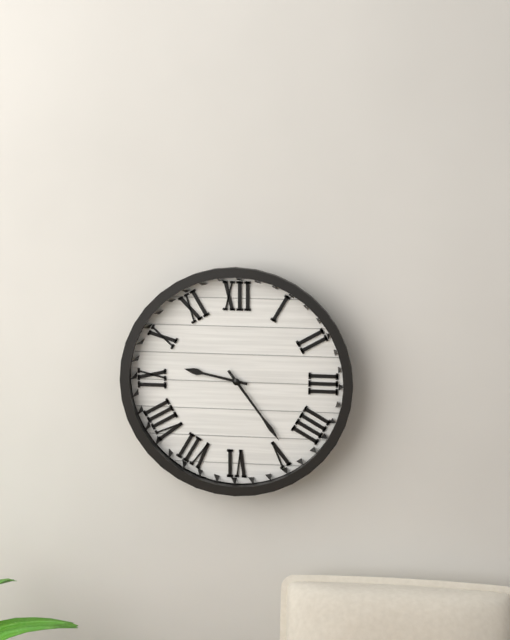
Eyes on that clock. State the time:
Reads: 9:24
